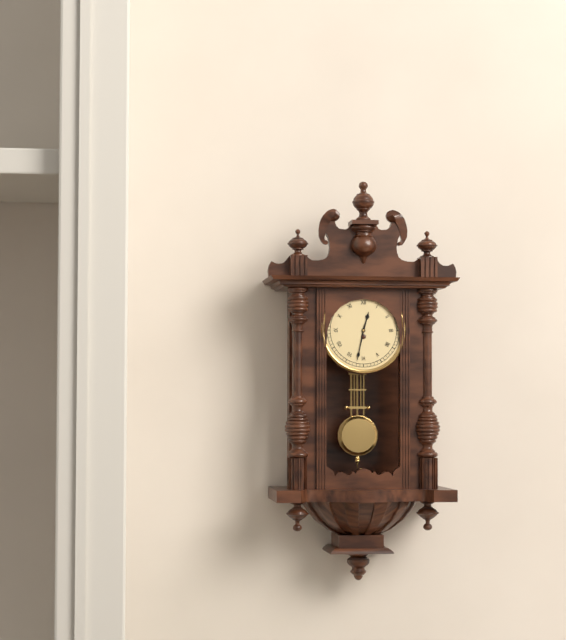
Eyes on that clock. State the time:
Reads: 12:32
